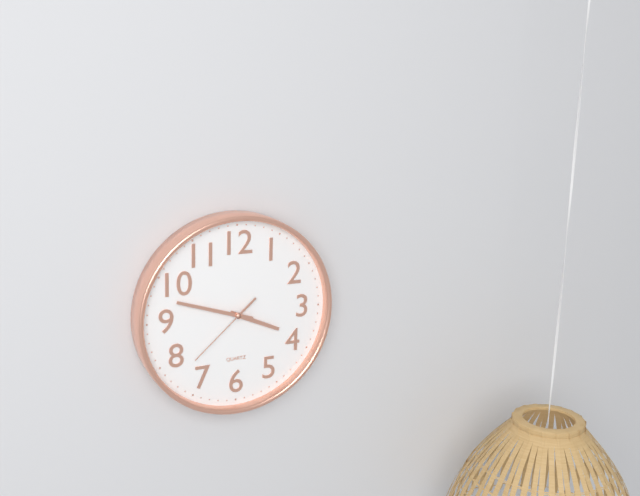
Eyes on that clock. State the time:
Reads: 3:48:38
